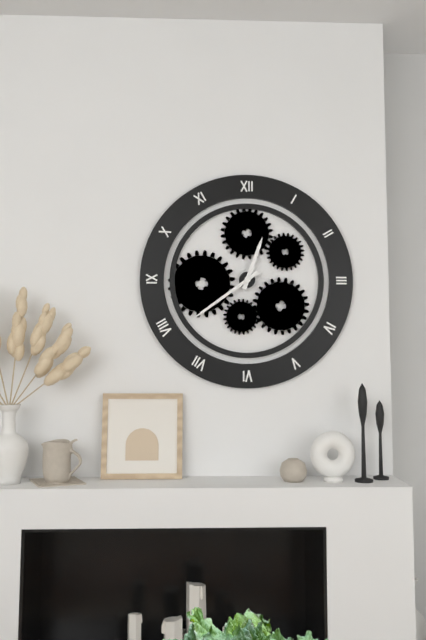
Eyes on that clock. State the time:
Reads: 12:39
